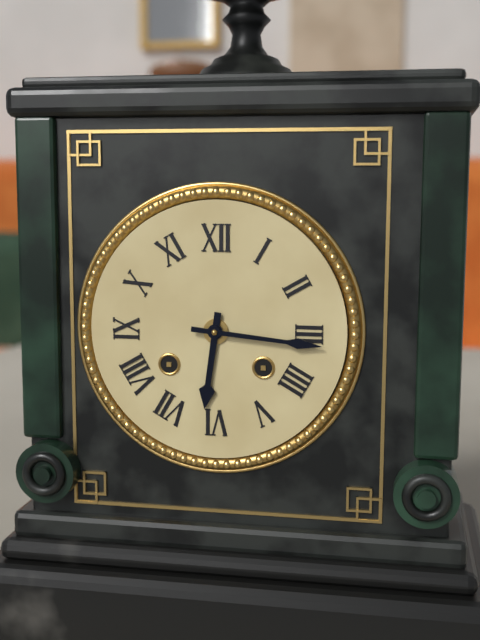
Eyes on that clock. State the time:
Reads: 6:16
